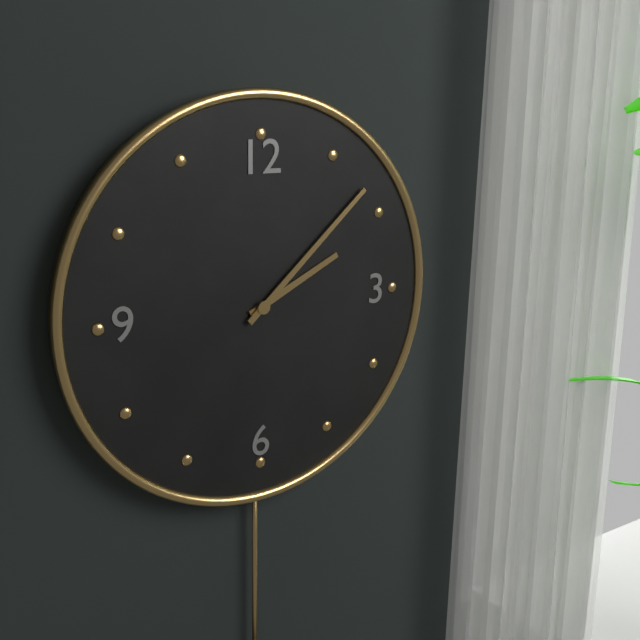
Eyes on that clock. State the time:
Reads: 2:08
